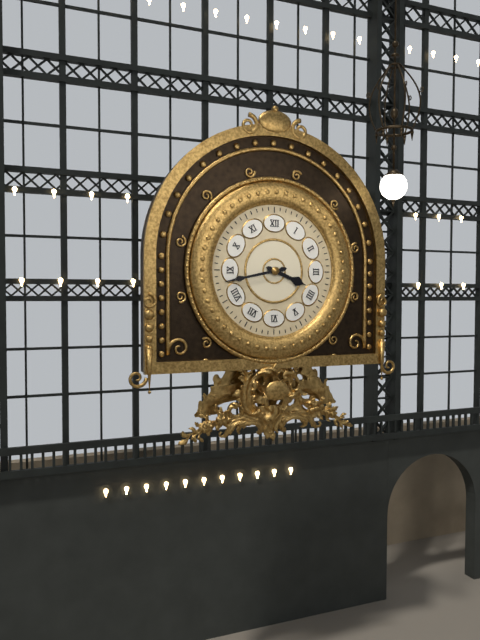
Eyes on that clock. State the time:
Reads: 3:43
